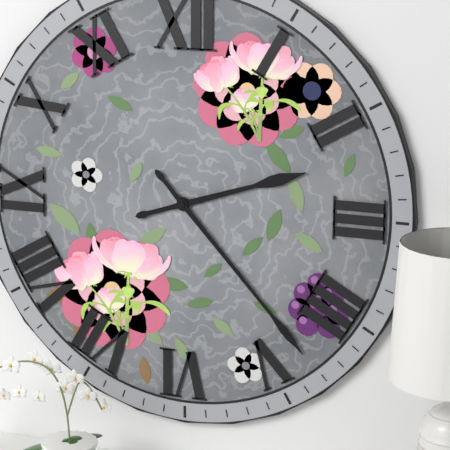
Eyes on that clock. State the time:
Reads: 2:23
